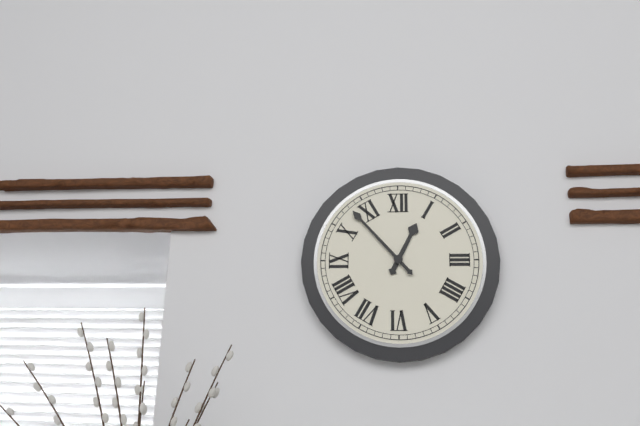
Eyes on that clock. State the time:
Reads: 12:53
